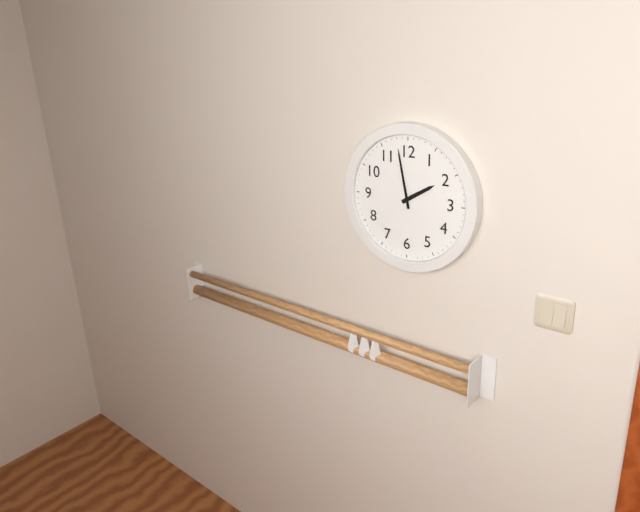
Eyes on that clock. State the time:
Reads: 1:58
